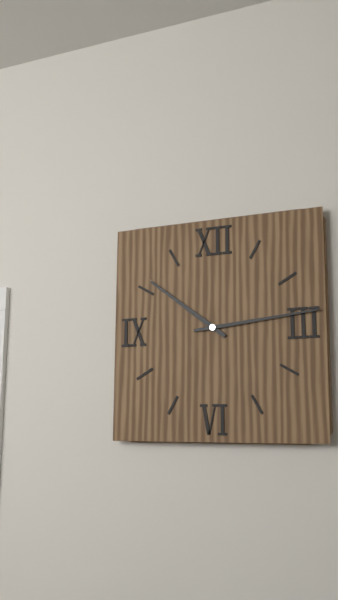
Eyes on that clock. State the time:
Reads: 10:14
